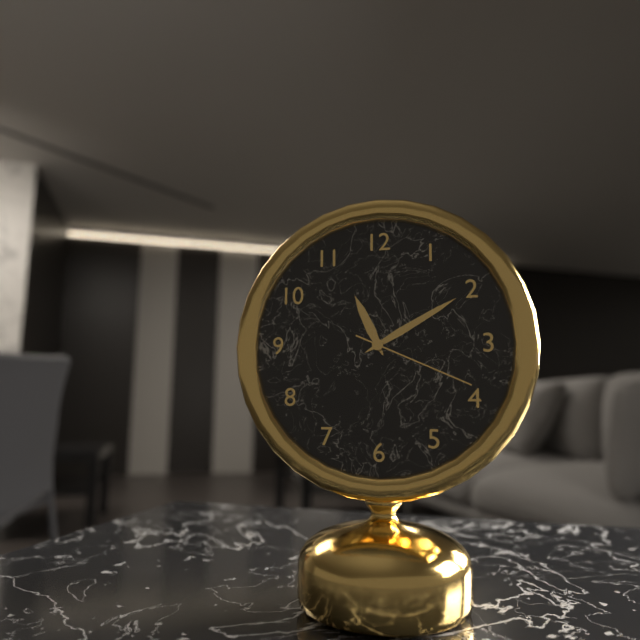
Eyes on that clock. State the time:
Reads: 11:10:19
